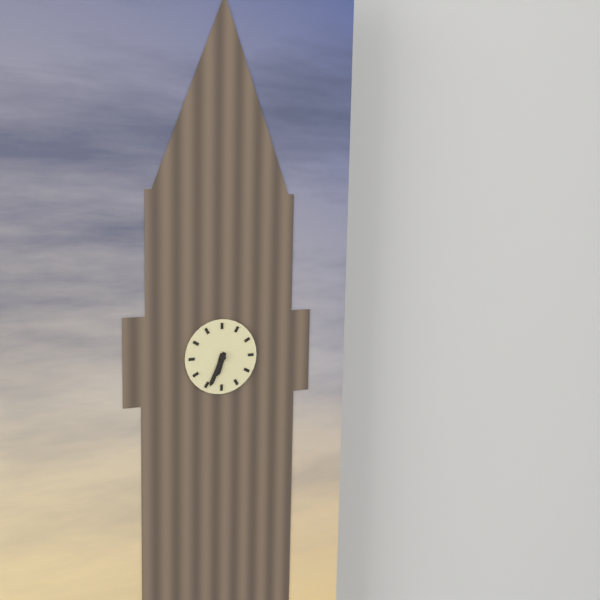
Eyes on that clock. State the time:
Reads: 6:34
